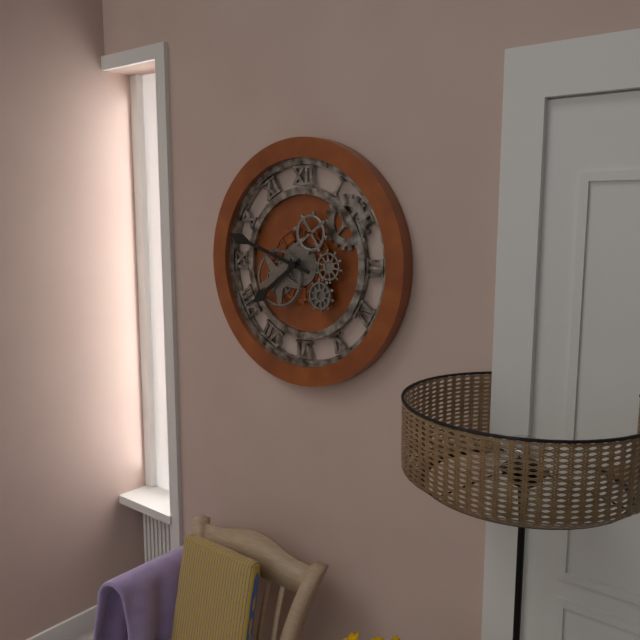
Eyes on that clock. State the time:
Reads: 7:48
